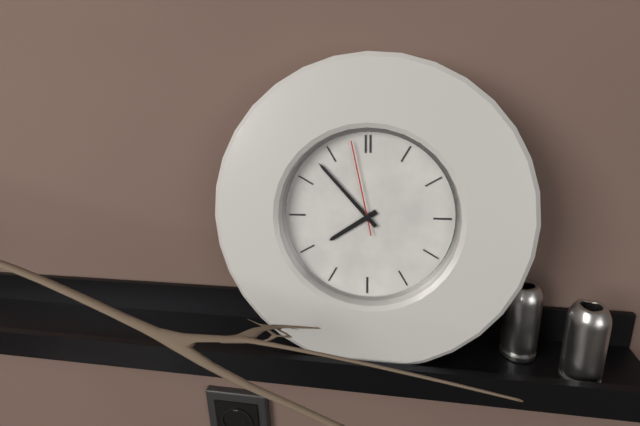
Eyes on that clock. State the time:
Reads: 7:53:58
